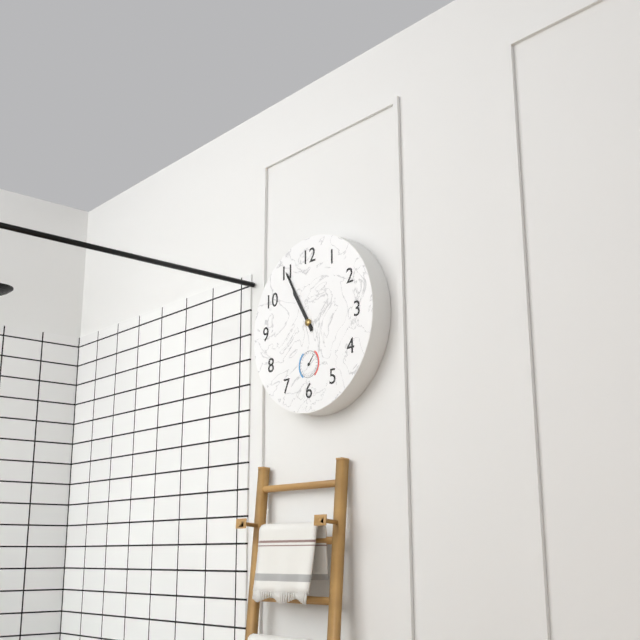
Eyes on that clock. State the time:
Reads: 10:55
